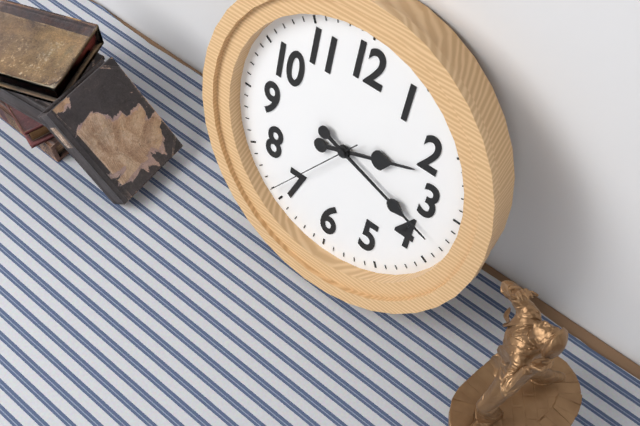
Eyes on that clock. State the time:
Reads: 2:18:36
